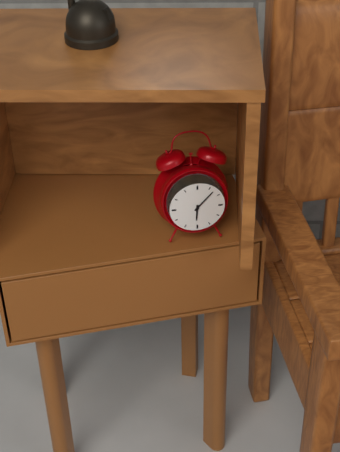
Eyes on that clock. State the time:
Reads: 6:07
